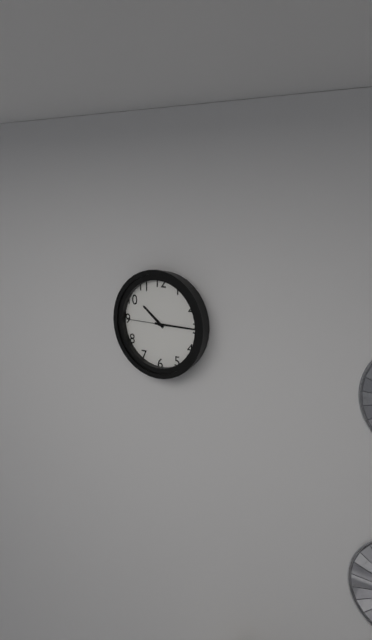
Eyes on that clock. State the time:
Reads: 10:15
